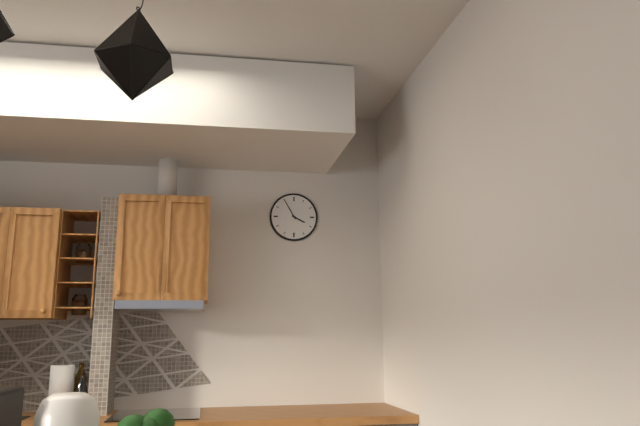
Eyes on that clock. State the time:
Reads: 3:55
